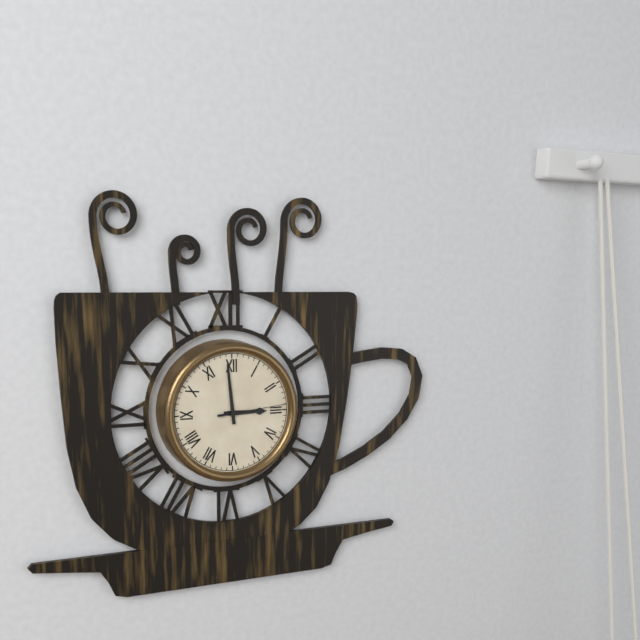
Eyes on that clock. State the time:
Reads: 2:59:14
